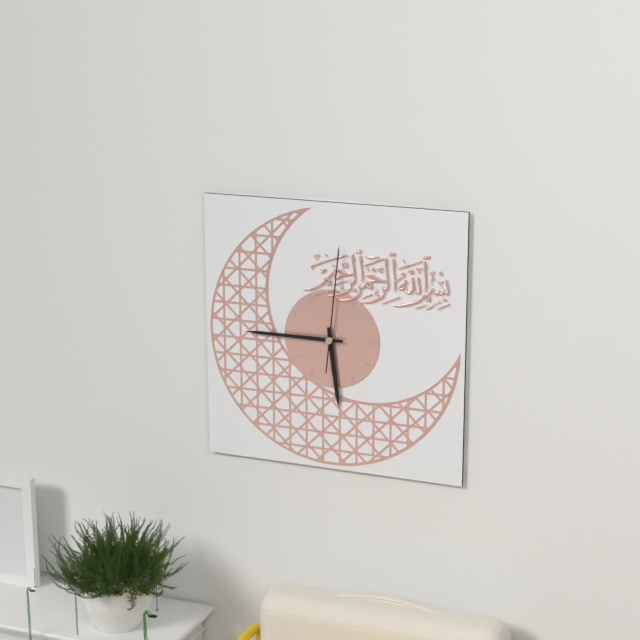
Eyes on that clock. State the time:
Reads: 5:45:01
